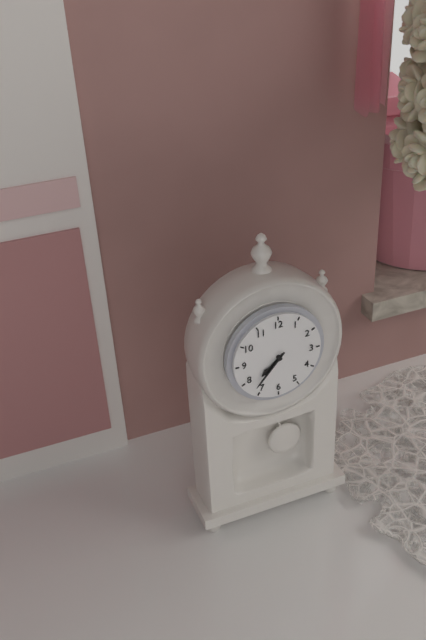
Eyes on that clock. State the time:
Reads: 7:37
